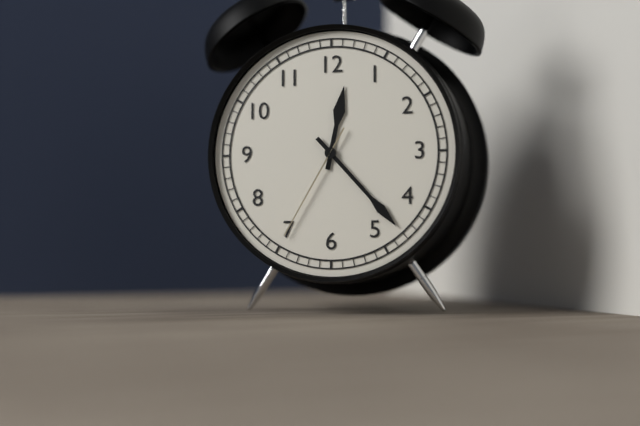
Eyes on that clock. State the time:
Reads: 12:23:35
